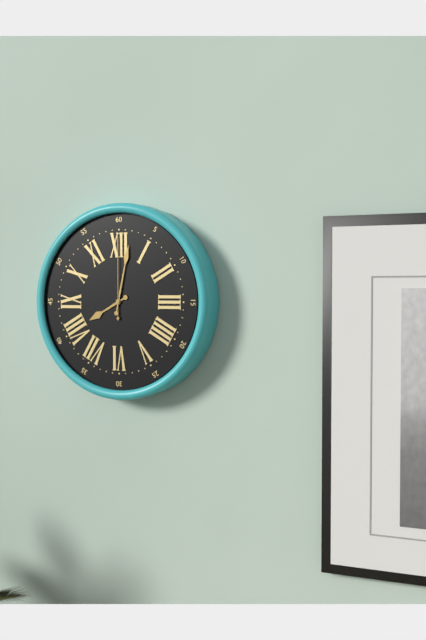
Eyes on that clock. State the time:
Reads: 8:02:00
